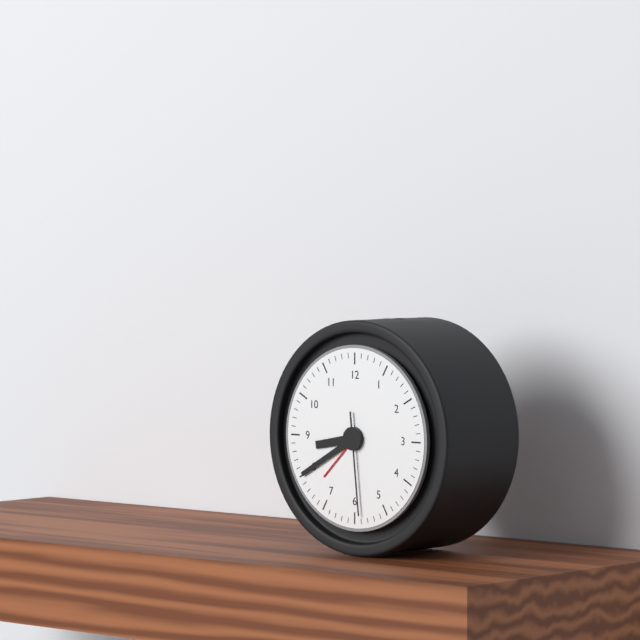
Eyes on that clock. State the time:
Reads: 8:40:29
